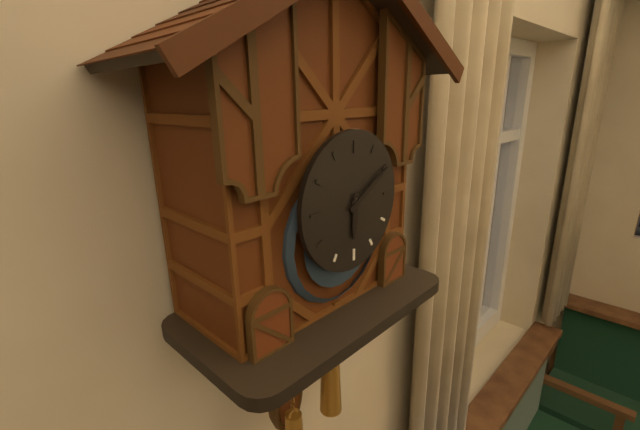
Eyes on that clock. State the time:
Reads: 6:10
